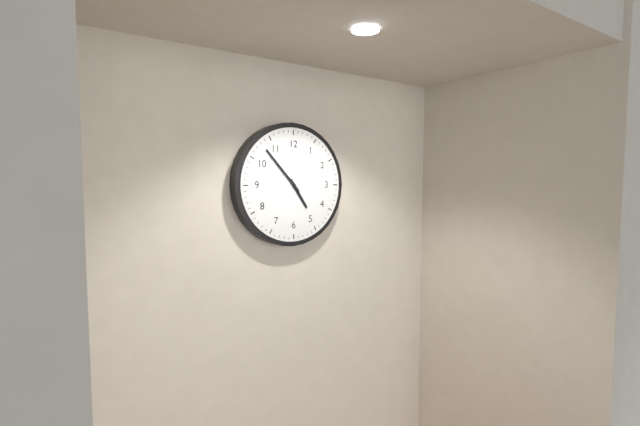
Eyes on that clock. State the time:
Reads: 4:53
